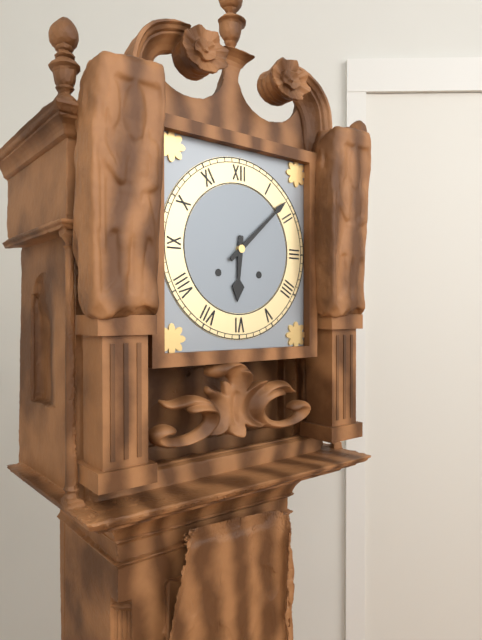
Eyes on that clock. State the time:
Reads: 6:08
